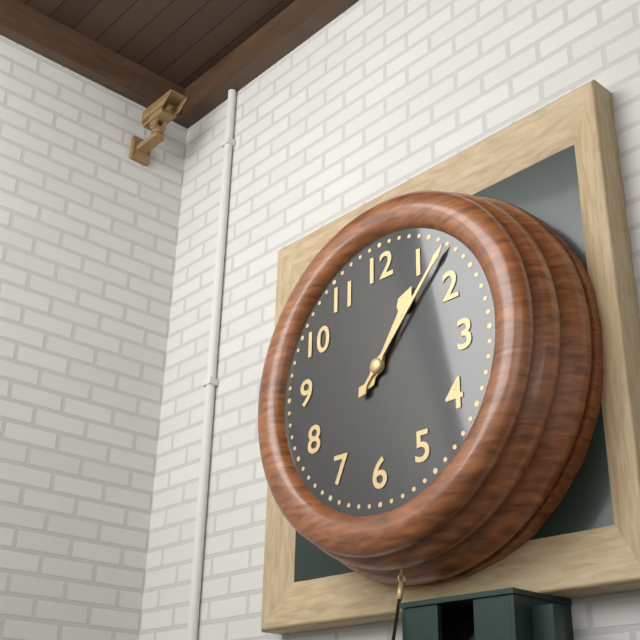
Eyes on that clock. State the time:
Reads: 1:07
